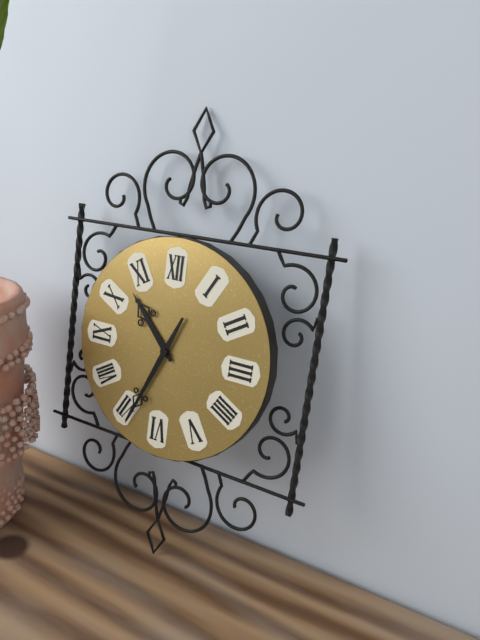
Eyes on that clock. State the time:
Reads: 10:34
